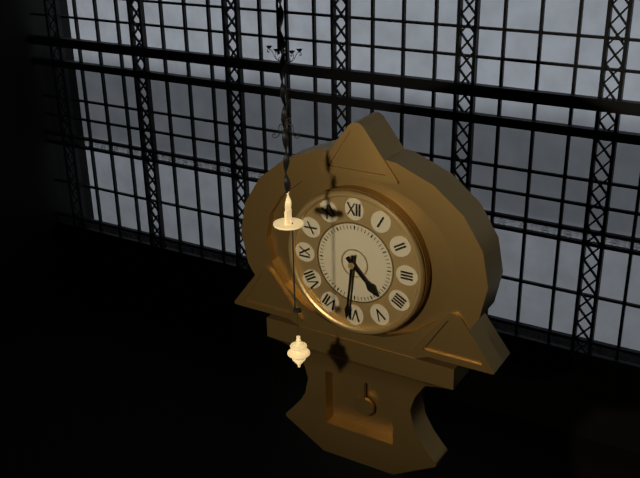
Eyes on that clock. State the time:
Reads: 4:31
